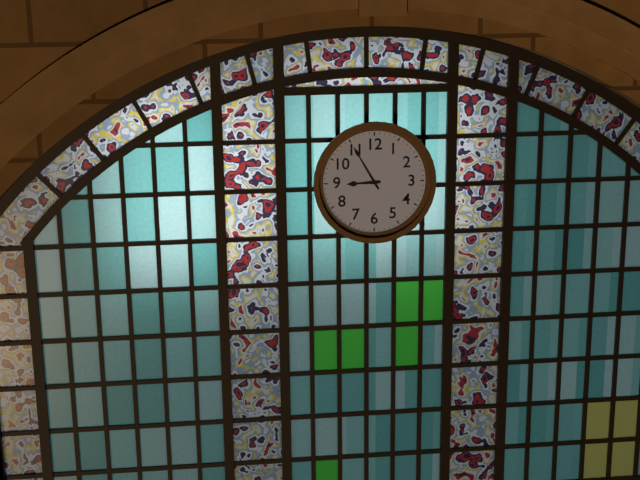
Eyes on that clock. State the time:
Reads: 8:55
